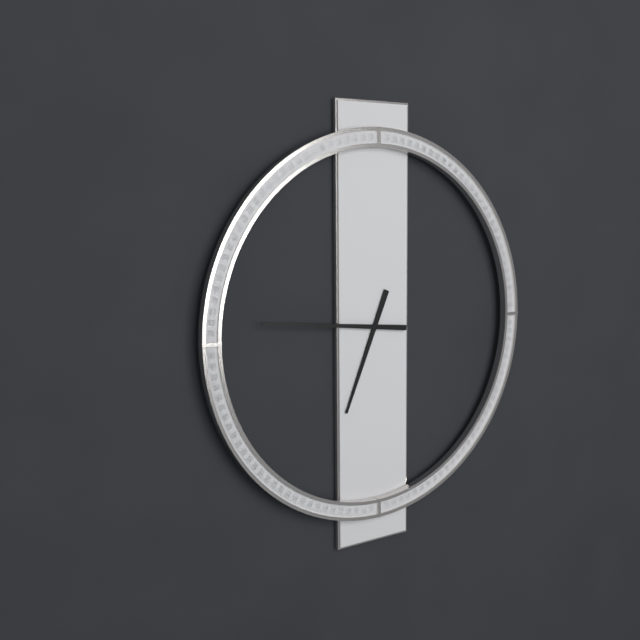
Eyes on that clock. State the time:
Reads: 6:46
